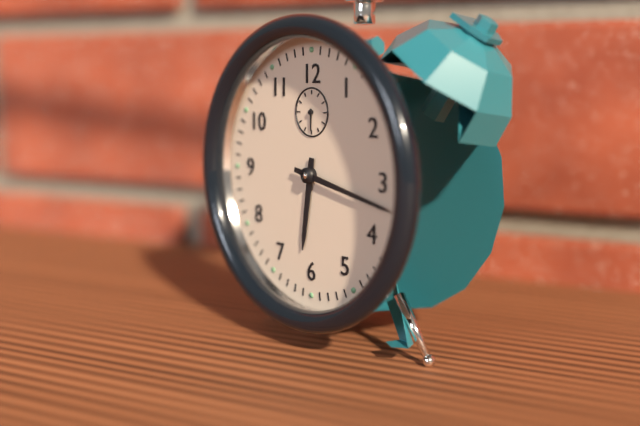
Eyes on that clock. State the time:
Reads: 6:17
